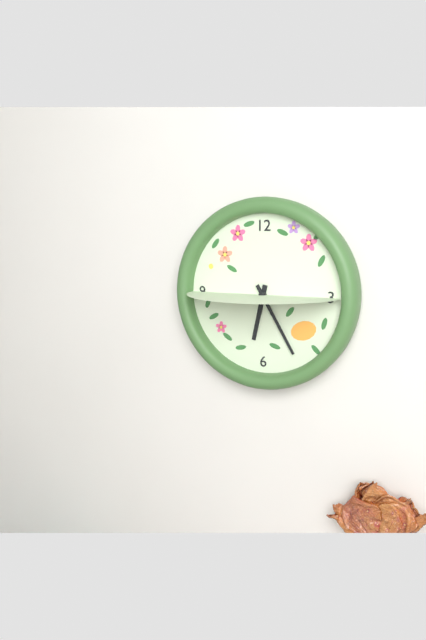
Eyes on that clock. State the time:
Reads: 6:25
